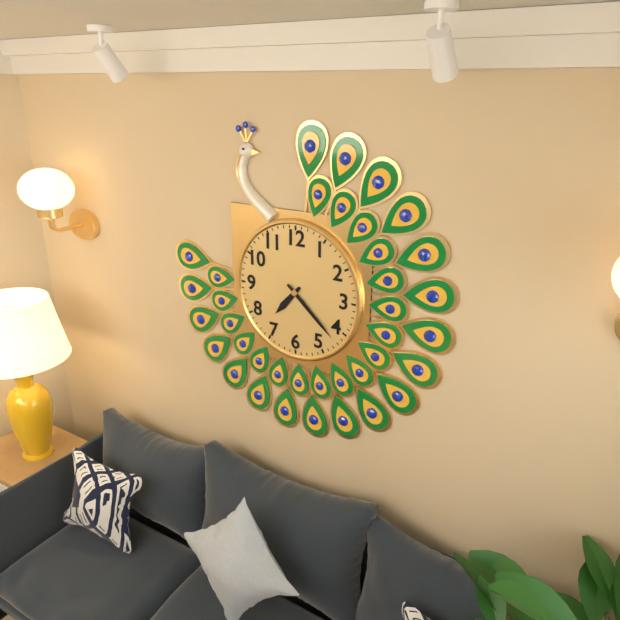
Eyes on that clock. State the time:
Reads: 7:22
